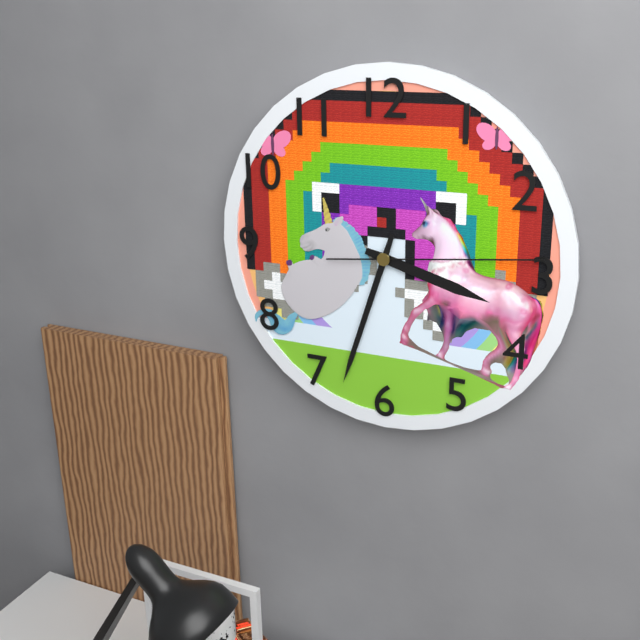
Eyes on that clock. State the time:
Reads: 3:33:14
